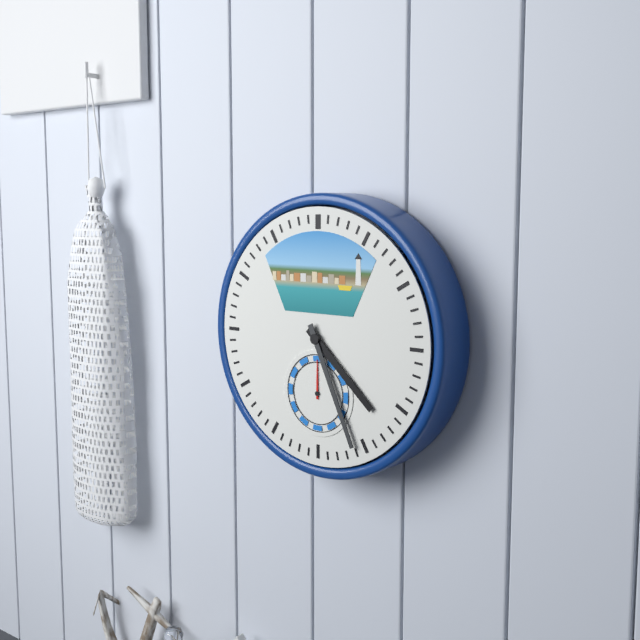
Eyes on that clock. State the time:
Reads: 4:26
